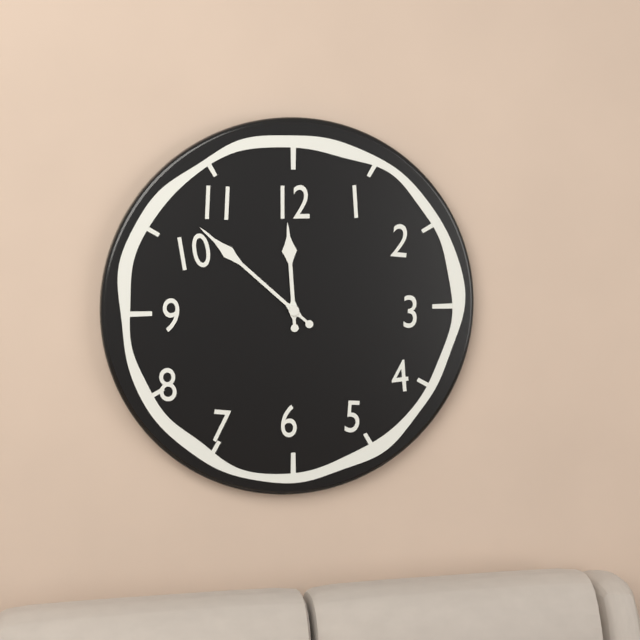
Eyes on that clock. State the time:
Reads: 11:52
